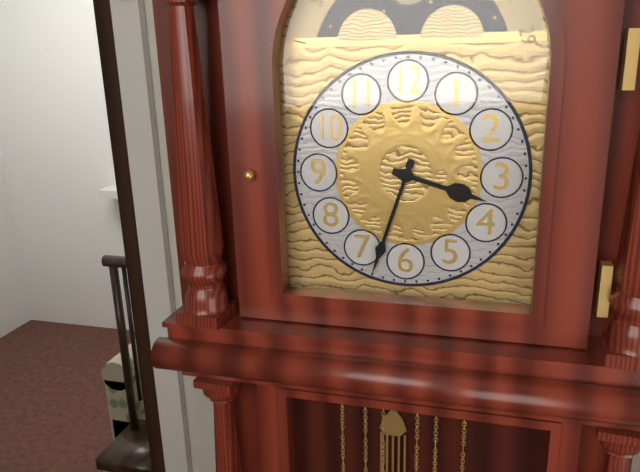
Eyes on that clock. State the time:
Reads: 3:33
